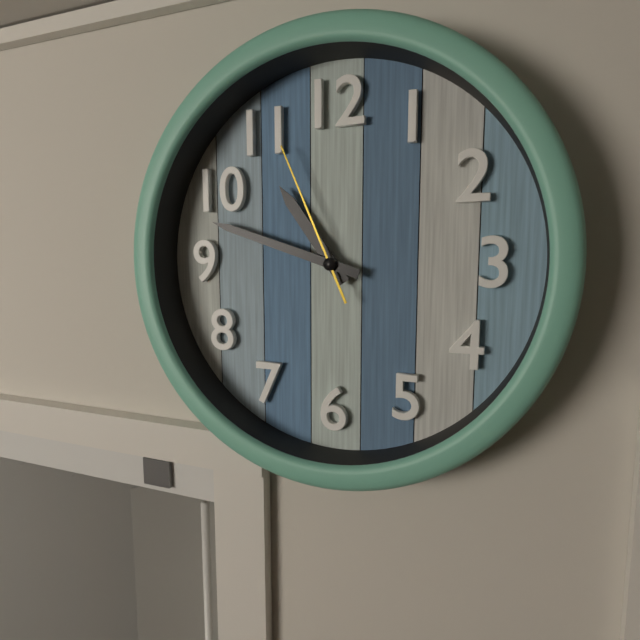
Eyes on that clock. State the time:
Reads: 10:48:56
